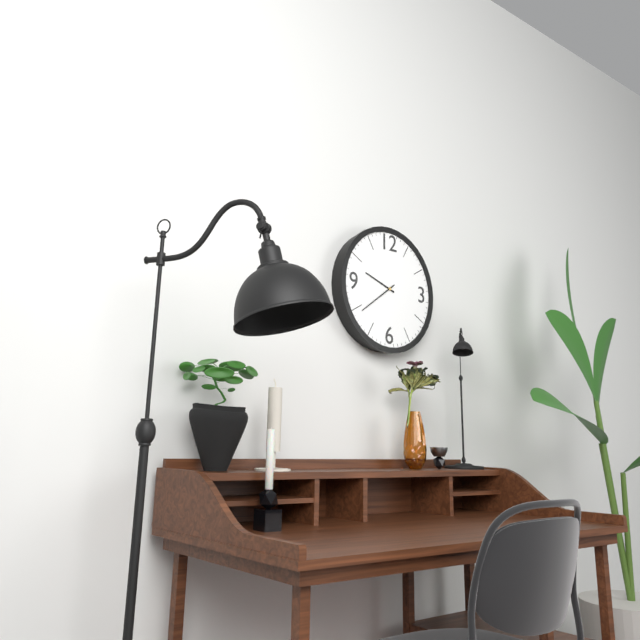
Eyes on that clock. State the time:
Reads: 9:39
